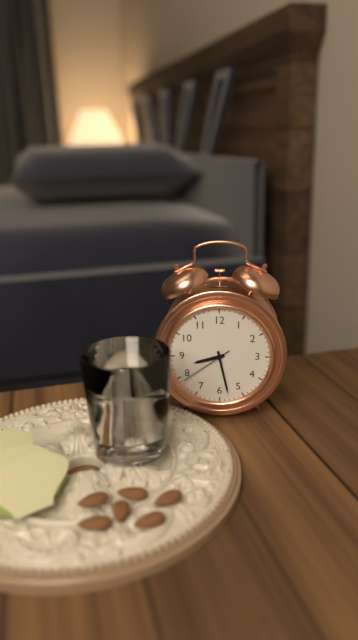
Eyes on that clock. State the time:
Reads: 8:28:39
